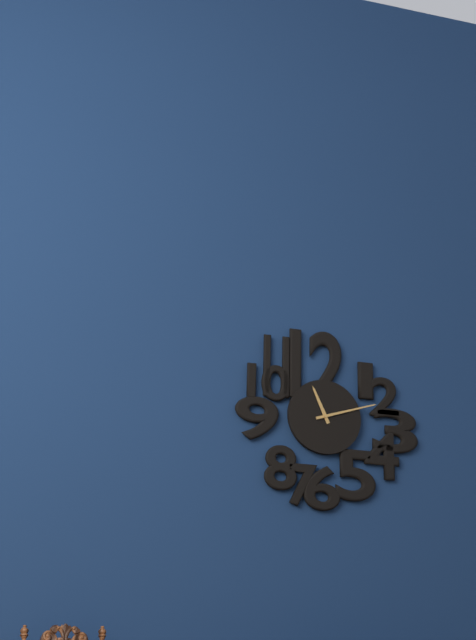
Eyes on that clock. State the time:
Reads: 11:12
